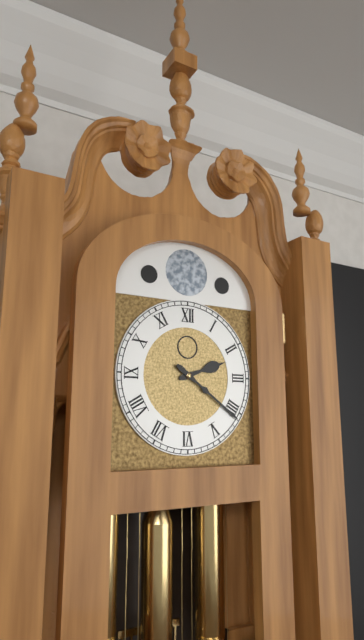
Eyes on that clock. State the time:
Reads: 2:21
